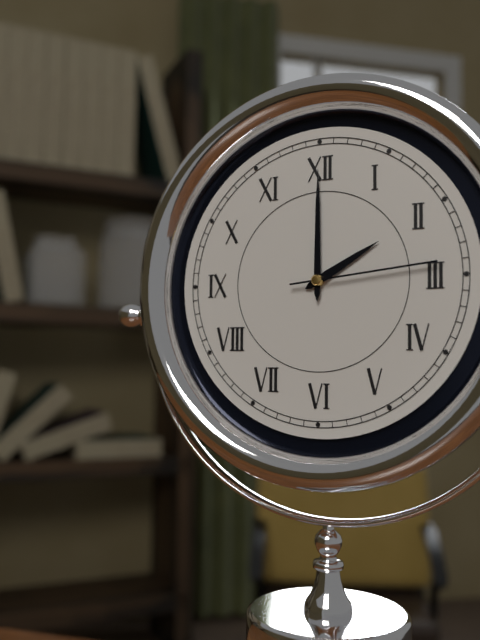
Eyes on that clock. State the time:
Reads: 2:00:14
